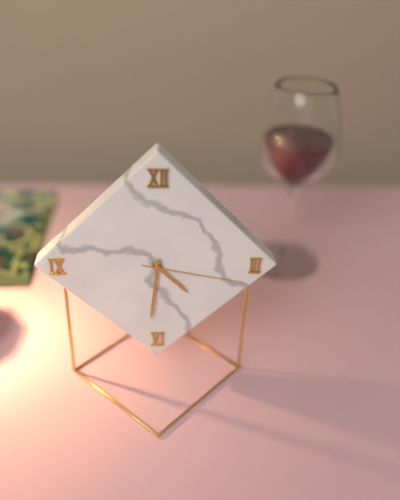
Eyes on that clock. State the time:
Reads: 4:31:17
